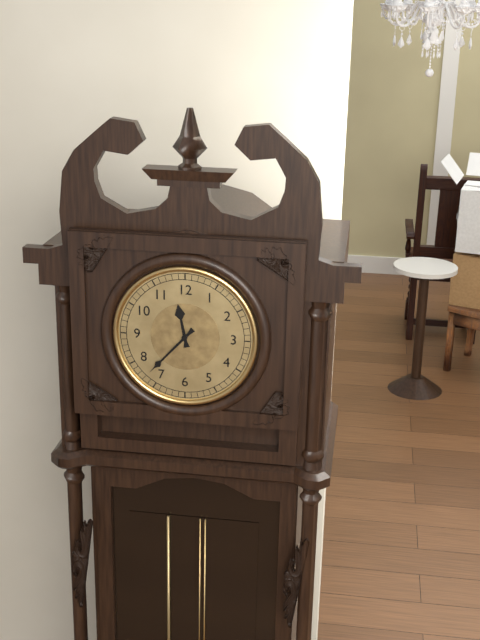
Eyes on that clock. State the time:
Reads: 11:37
